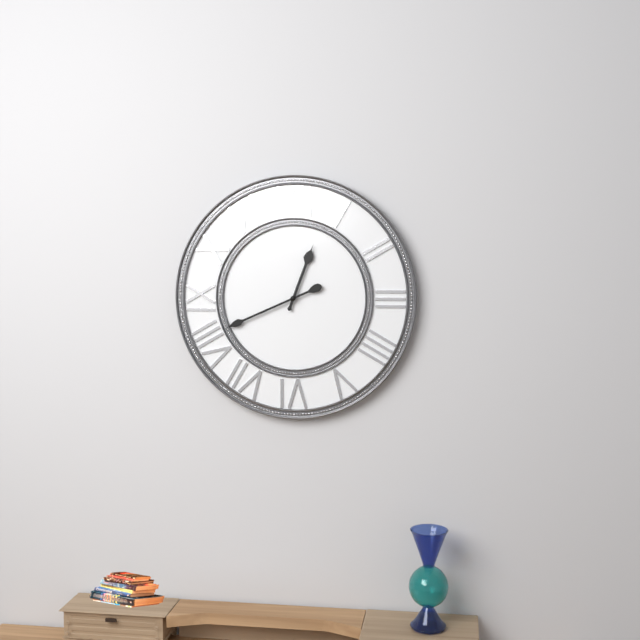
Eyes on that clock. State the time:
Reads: 12:41
